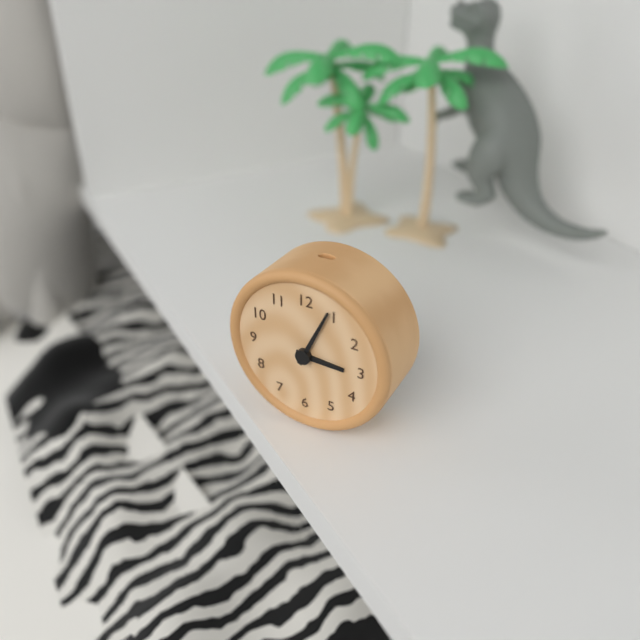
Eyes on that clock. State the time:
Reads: 3:04
